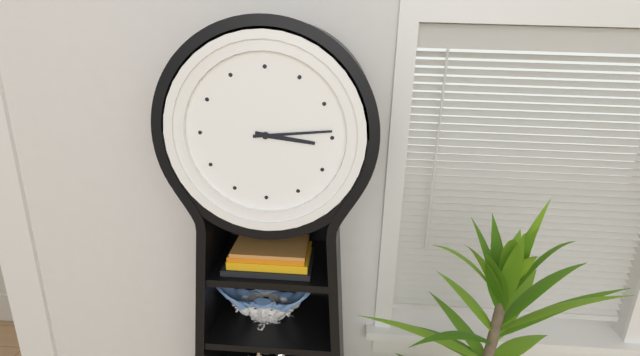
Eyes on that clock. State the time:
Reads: 3:14
